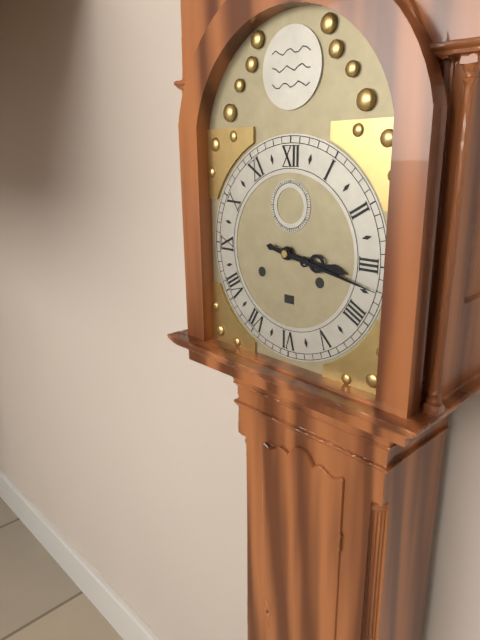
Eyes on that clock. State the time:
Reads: 3:17
